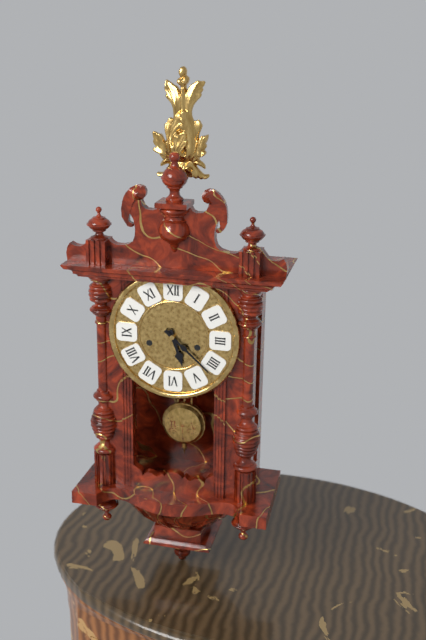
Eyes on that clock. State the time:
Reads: 5:22
